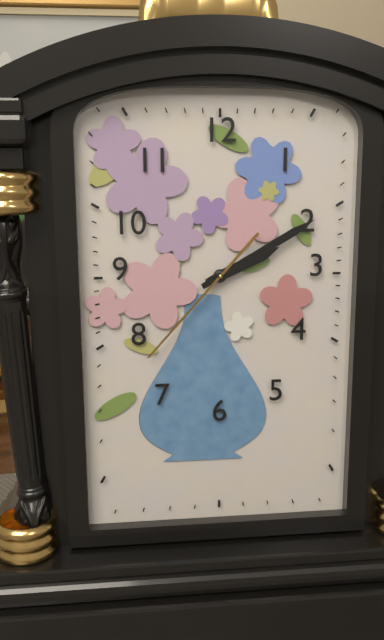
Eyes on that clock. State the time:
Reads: 2:10:37
